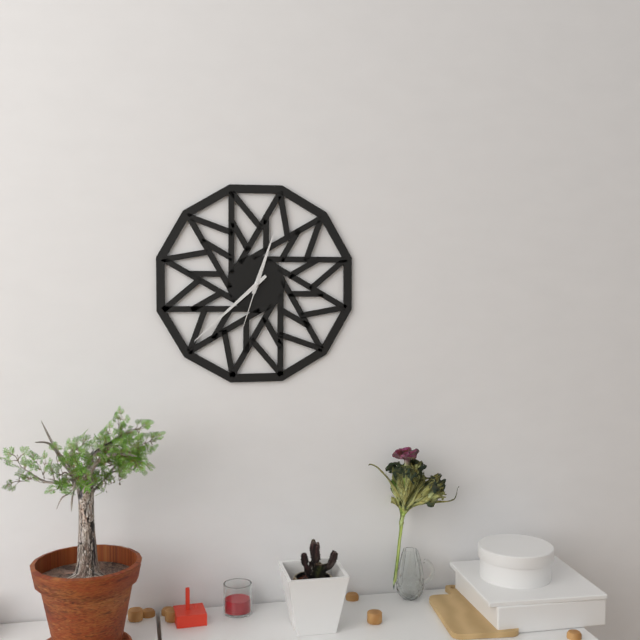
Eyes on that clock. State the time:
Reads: 12:38:33
